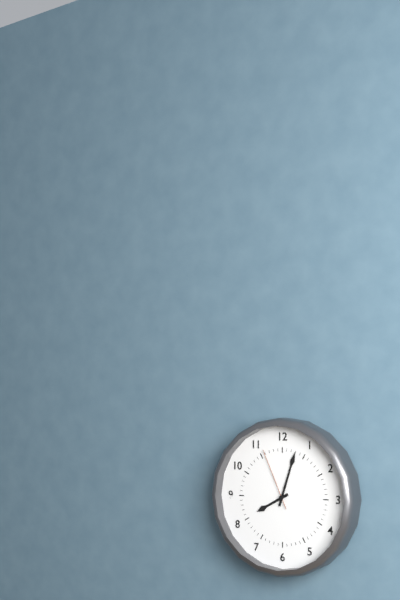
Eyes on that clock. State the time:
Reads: 8:03:56
